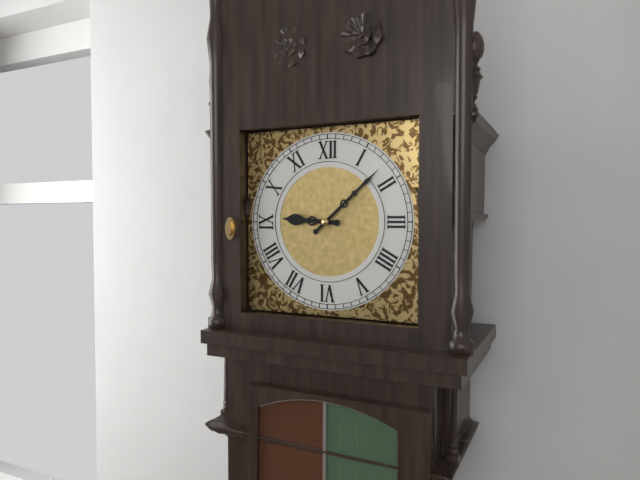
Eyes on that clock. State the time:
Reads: 9:08
